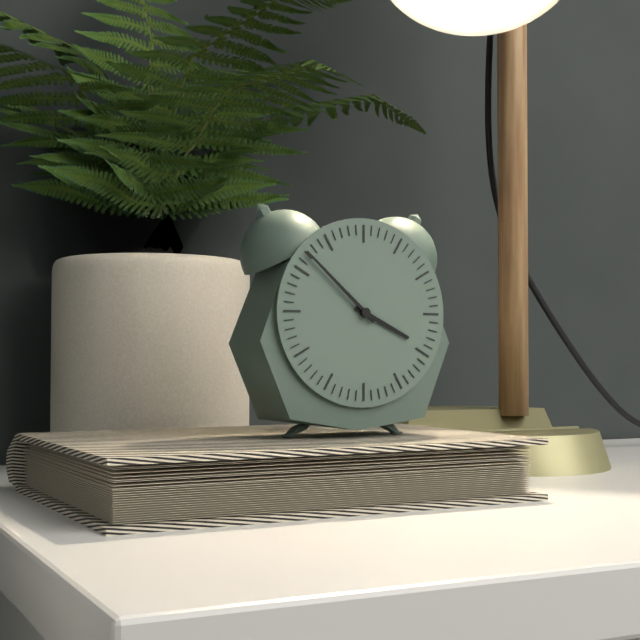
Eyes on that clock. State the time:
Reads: 3:52
